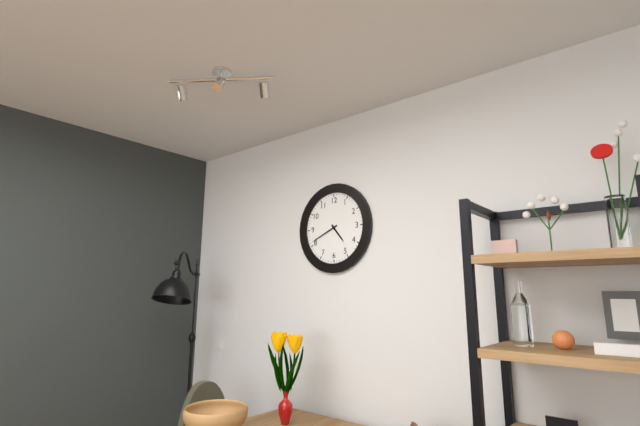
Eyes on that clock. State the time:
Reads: 4:41
